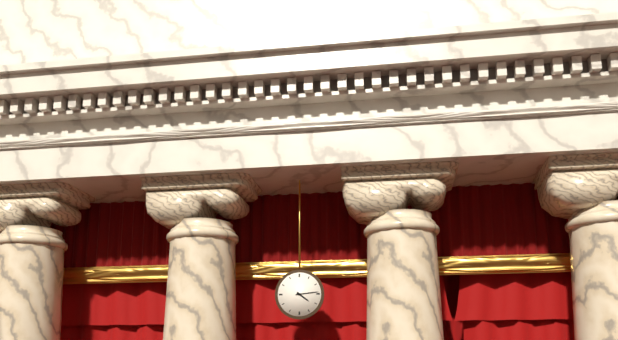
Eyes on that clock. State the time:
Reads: 4:14
